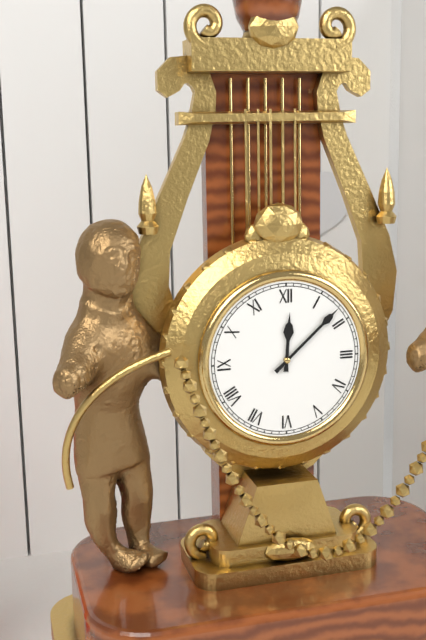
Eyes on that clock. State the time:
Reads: 12:08
